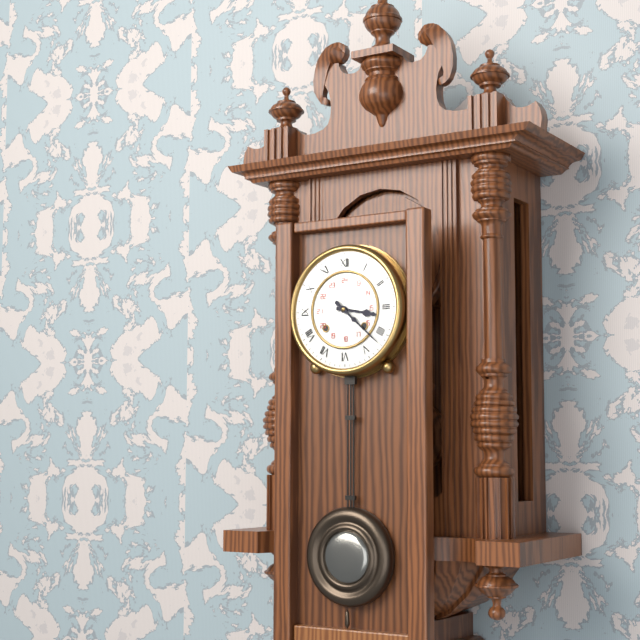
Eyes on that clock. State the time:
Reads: 3:22
